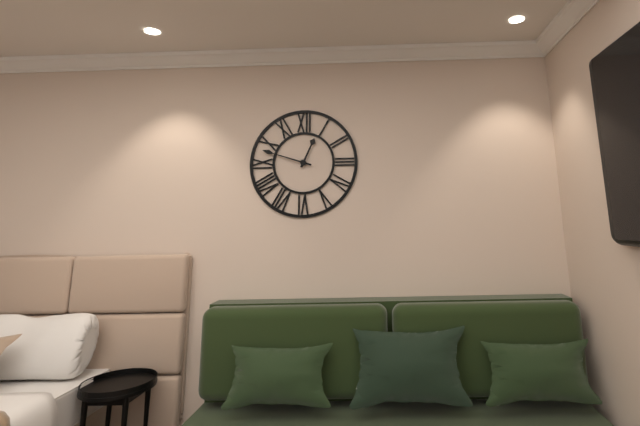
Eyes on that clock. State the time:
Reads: 12:48
